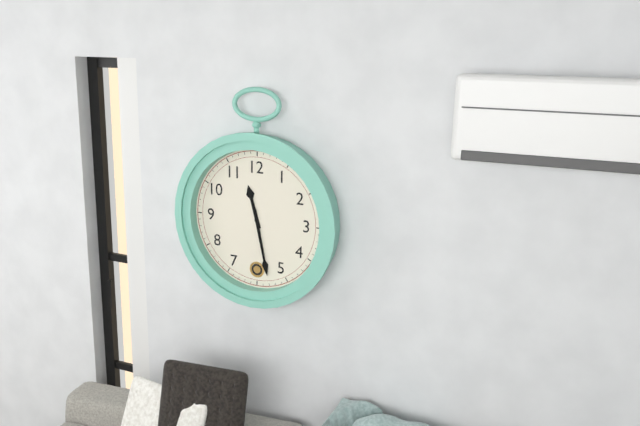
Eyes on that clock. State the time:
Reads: 11:28
